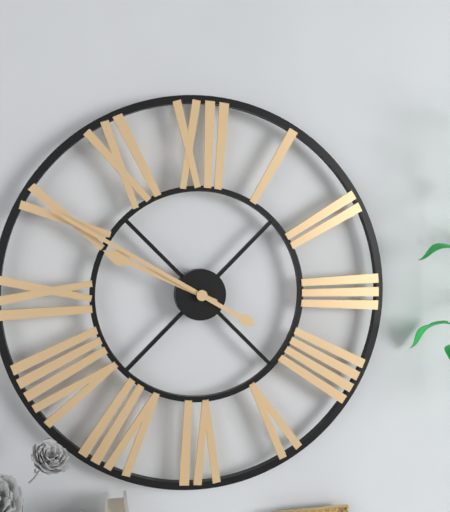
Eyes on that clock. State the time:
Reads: 9:50
